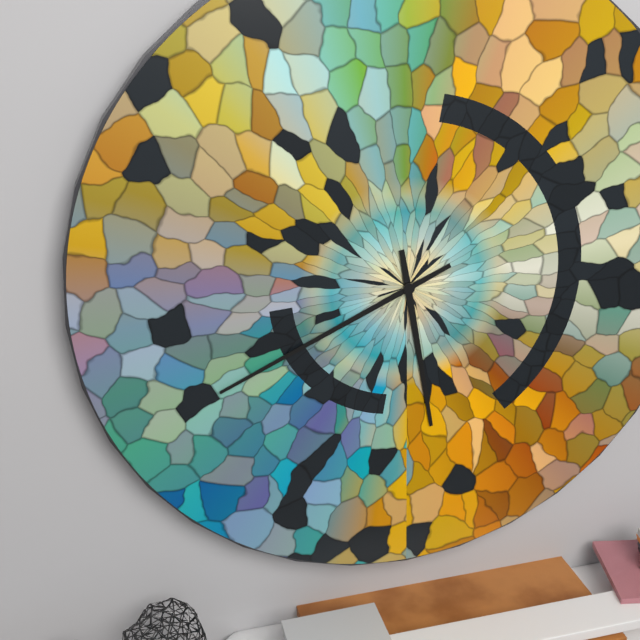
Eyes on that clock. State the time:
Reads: 5:41
